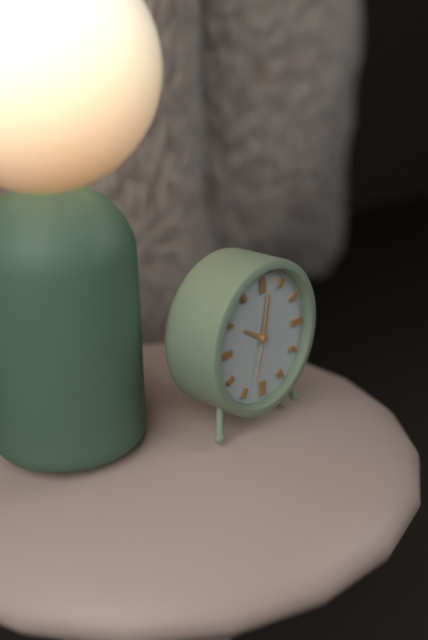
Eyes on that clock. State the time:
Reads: 10:02:33
